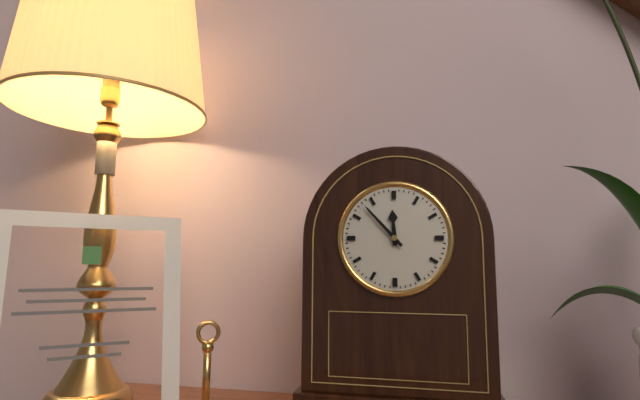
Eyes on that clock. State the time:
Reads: 11:53
